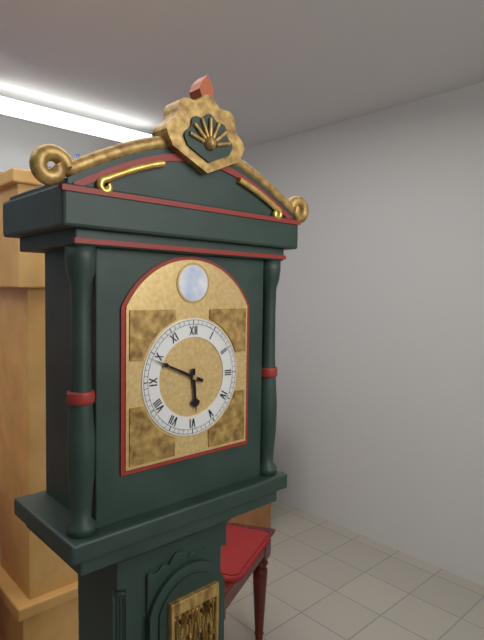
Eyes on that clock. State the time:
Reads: 5:49
